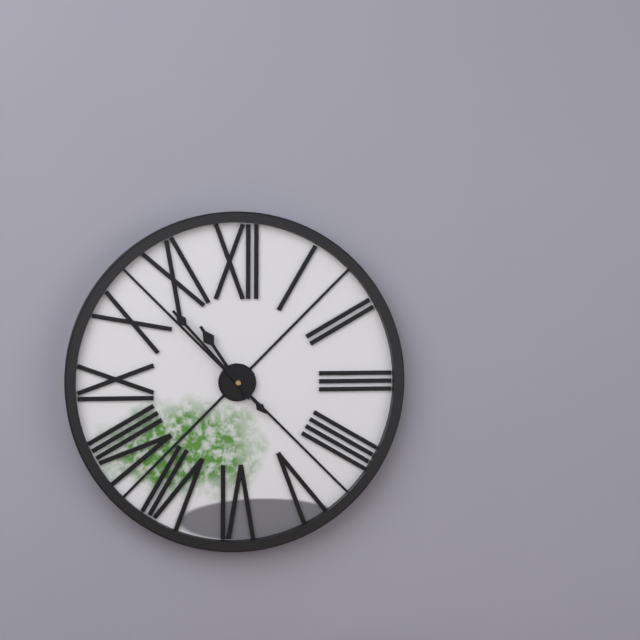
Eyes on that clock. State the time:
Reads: 10:53
